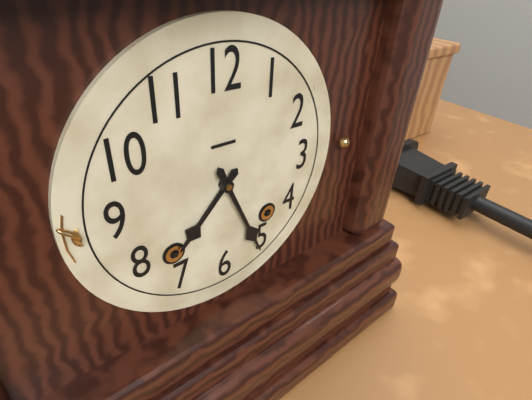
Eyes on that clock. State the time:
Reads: 7:26
